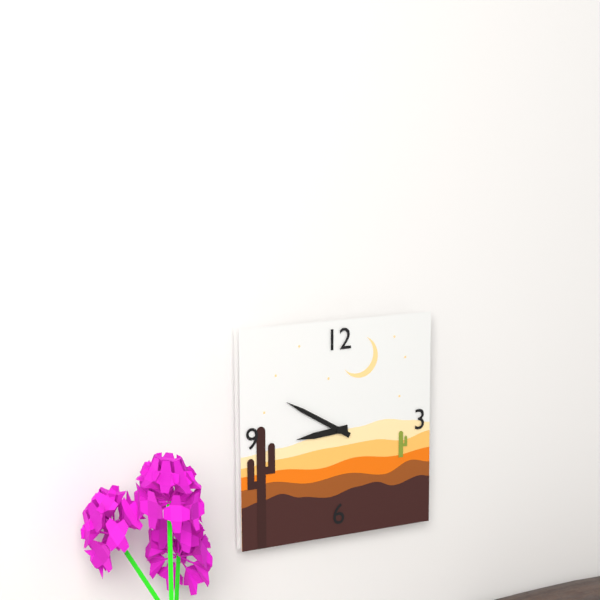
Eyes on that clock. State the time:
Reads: 8:50
